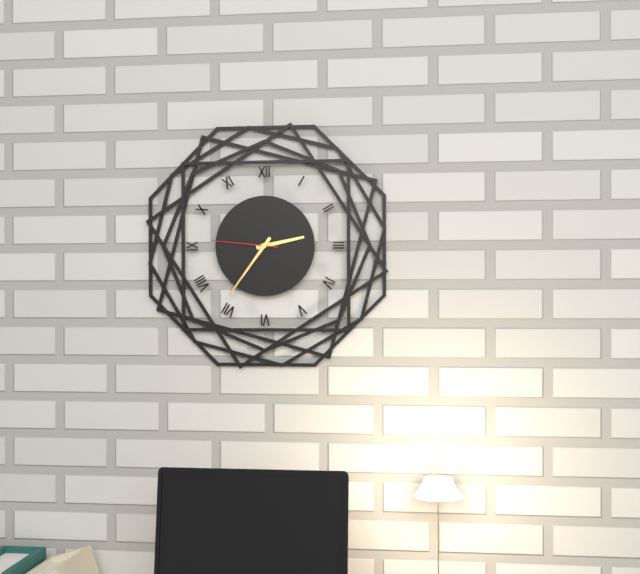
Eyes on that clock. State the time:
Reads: 2:36:46
